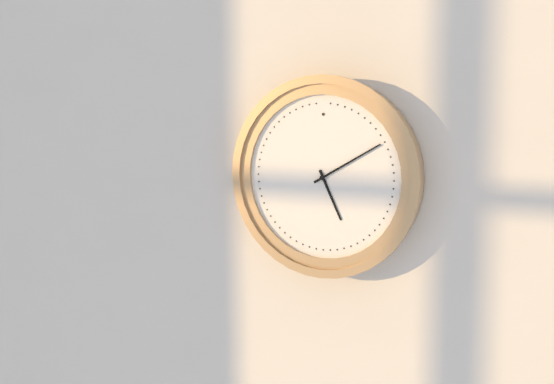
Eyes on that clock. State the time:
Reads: 5:10
